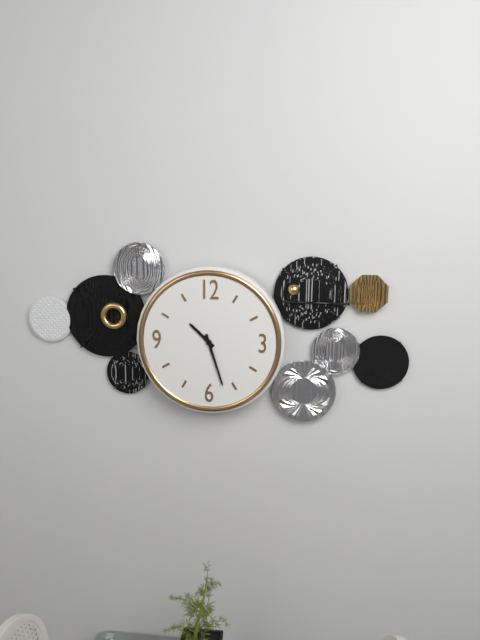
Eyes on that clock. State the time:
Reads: 10:27
